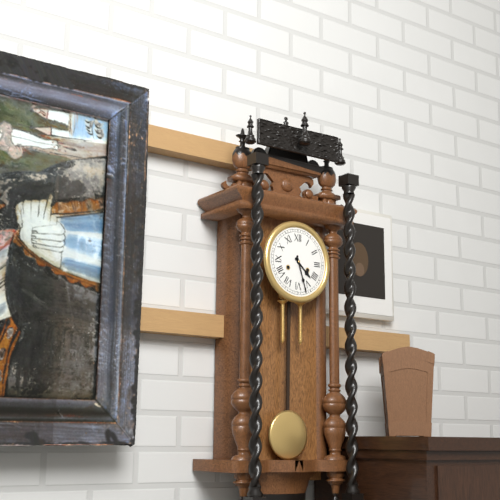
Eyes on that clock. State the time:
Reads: 4:27
